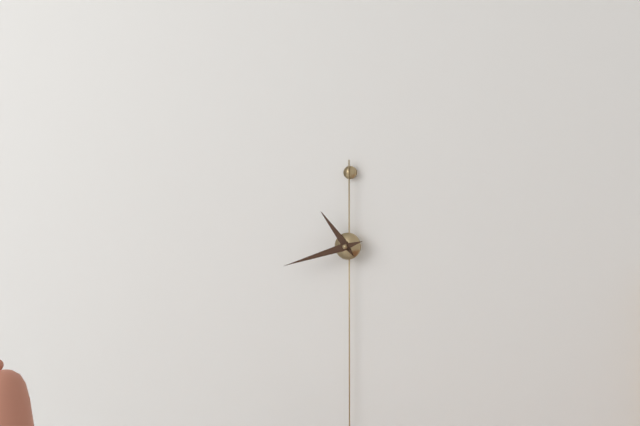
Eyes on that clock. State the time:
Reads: 10:42
